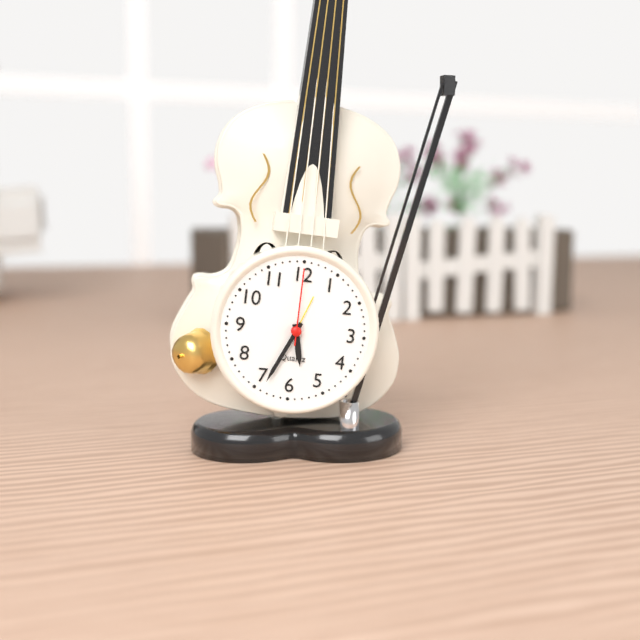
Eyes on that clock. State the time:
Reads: 5:34:00
